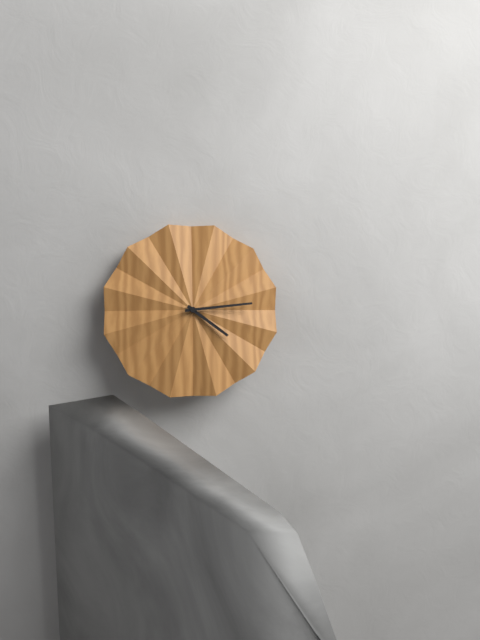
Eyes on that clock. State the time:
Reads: 4:14
